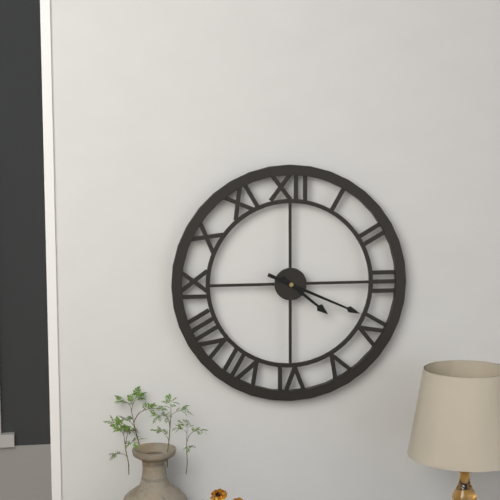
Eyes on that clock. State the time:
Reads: 4:19
